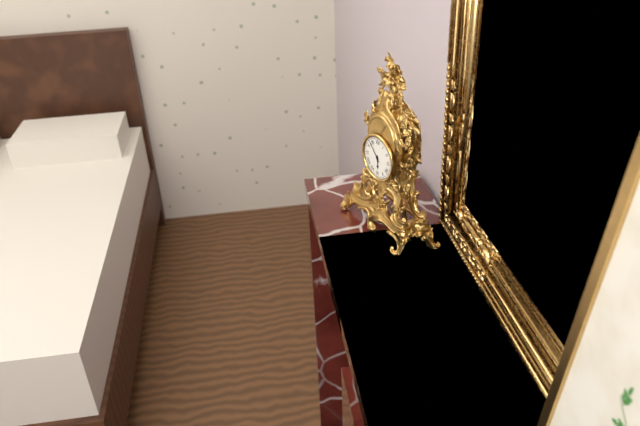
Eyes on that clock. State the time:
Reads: 5:53
